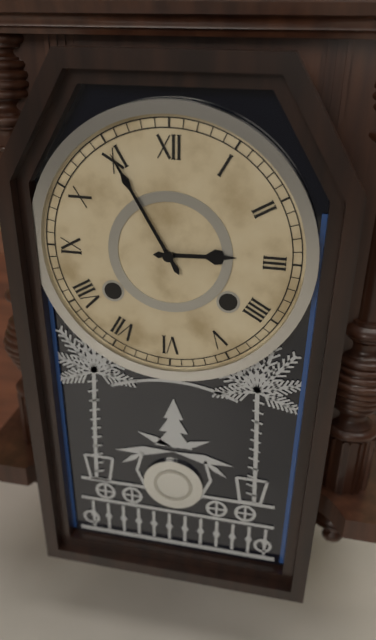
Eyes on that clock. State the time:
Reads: 2:55
